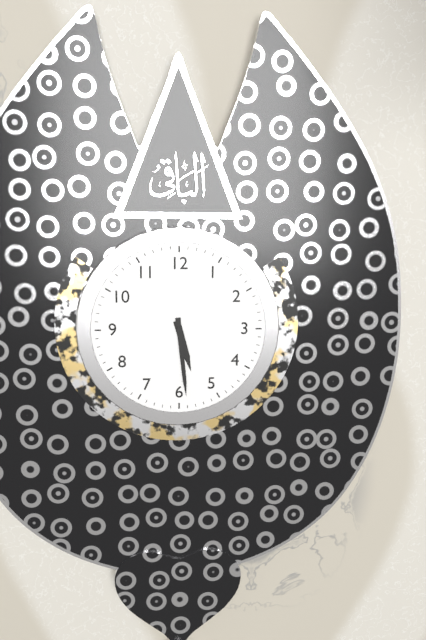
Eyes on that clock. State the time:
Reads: 5:29
